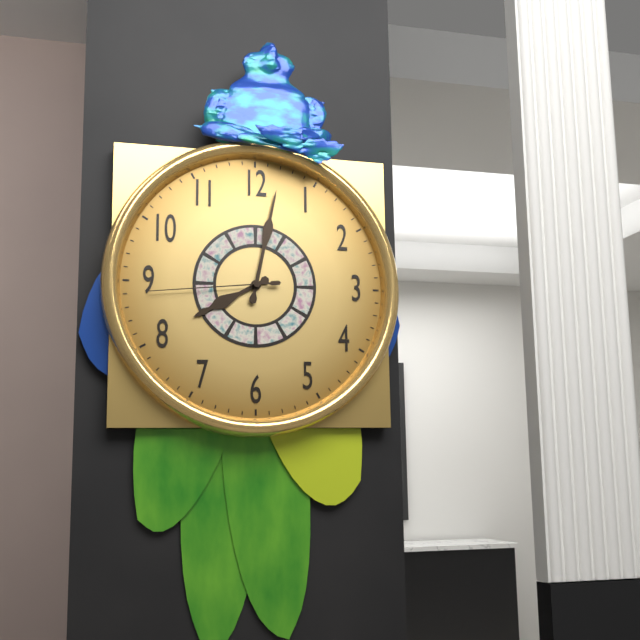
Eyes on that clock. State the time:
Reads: 8:02:44
